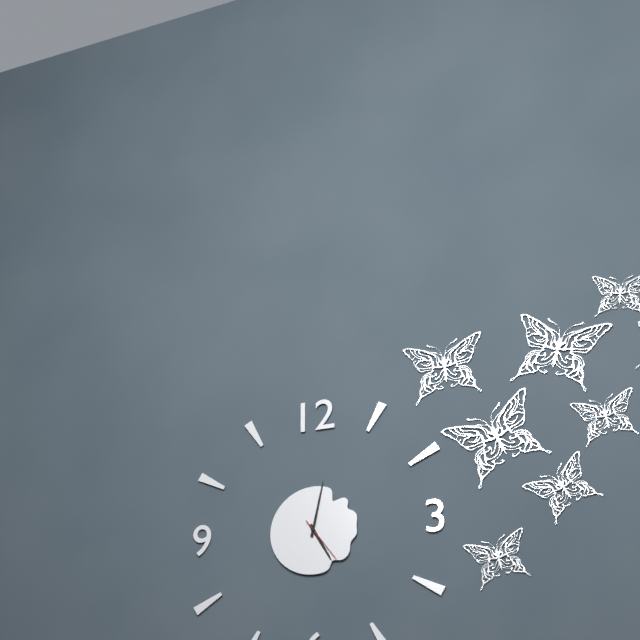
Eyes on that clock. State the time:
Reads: 5:02
